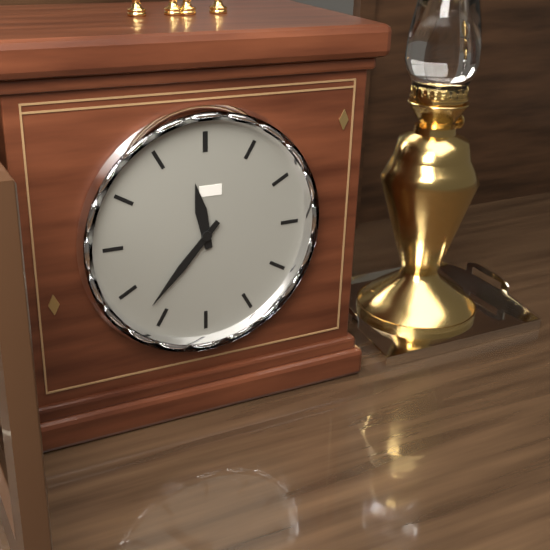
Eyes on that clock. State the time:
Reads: 11:37
